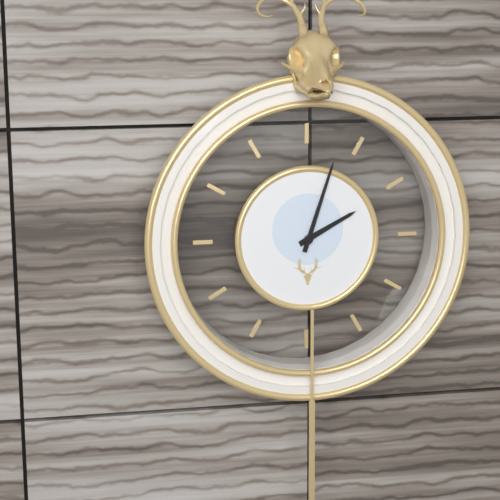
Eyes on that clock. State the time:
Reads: 2:03
